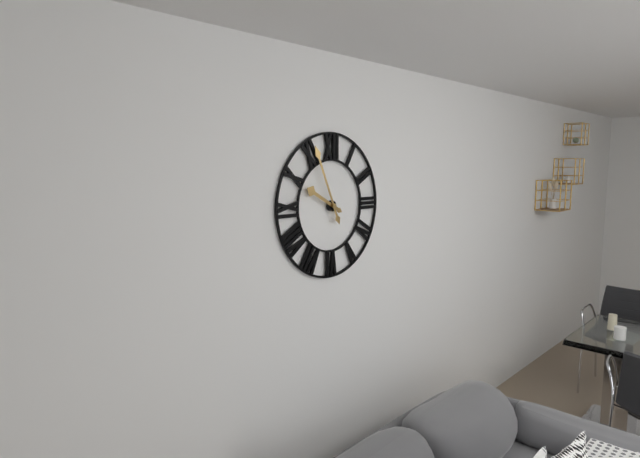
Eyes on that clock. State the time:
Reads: 9:56
